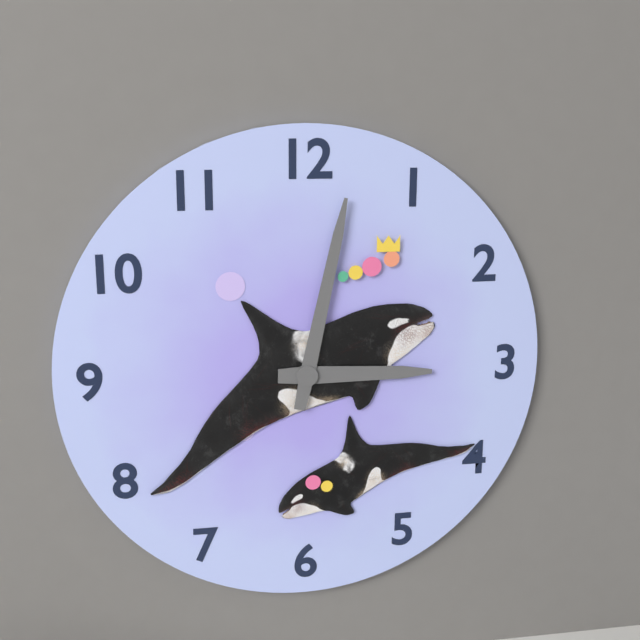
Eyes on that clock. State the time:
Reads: 3:02
